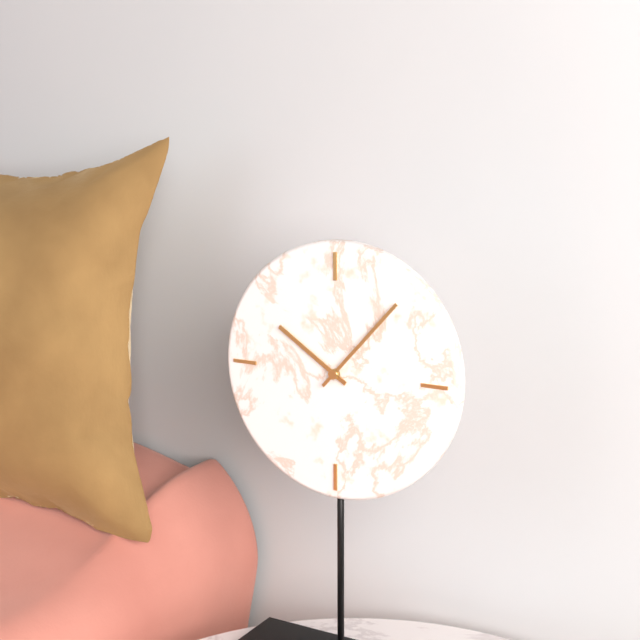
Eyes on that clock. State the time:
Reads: 10:07
